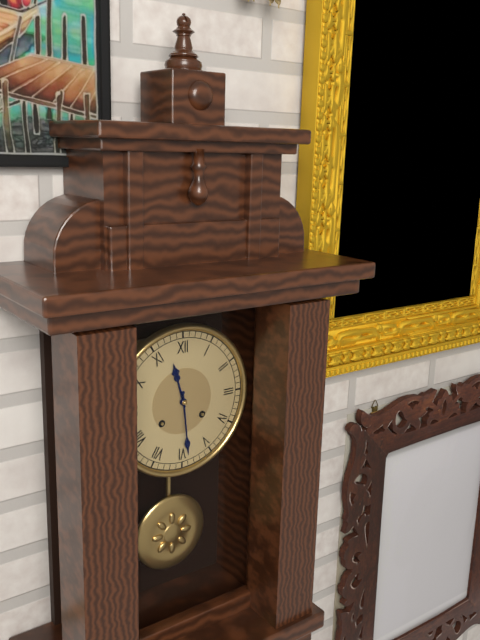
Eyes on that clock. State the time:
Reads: 11:29
